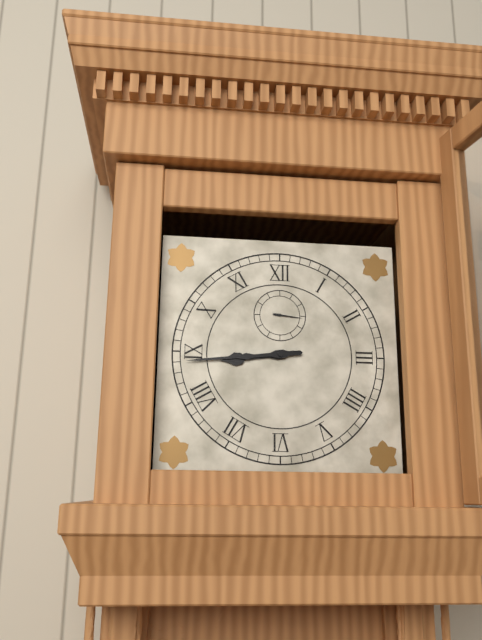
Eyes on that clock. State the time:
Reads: 8:44
